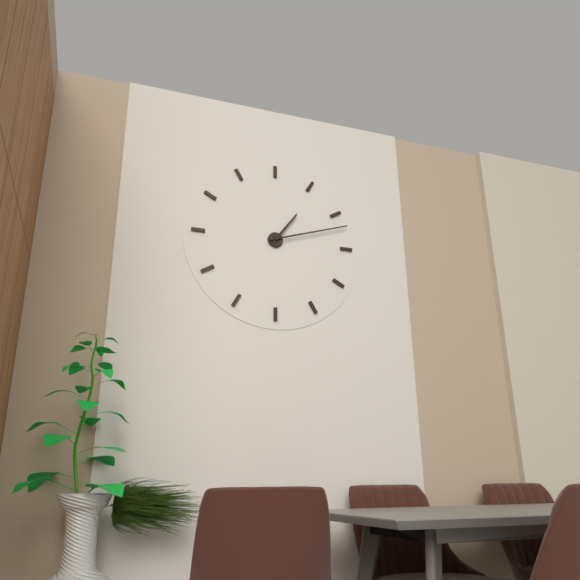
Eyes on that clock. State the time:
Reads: 1:12
